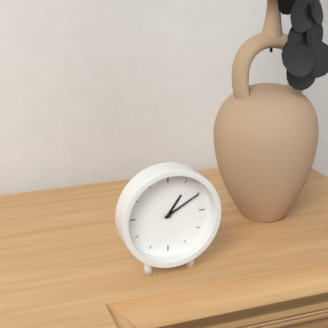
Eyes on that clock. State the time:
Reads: 1:10
